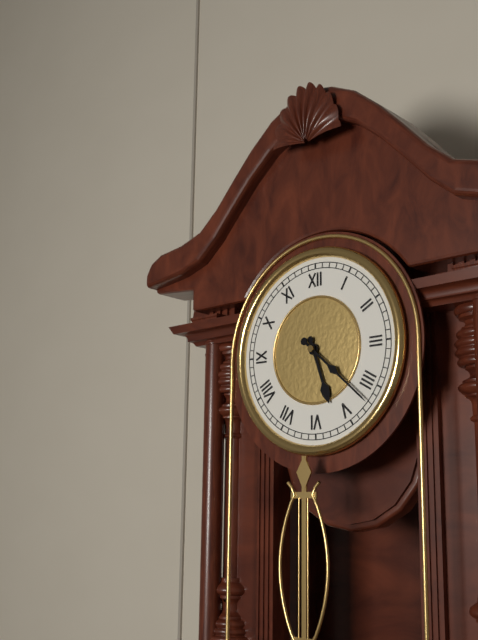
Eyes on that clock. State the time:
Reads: 5:22
